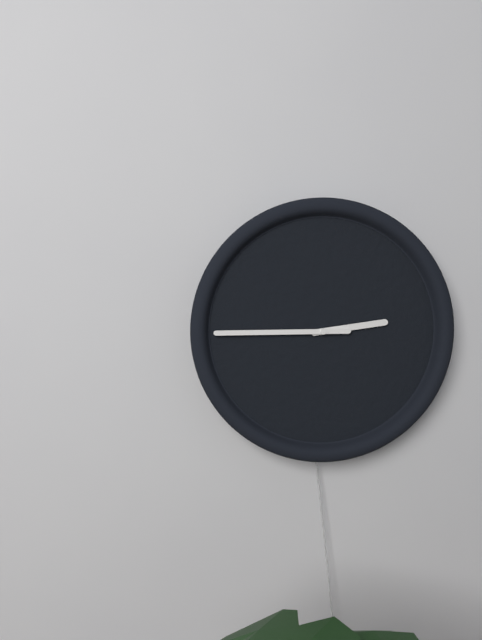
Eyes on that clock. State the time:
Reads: 2:45
